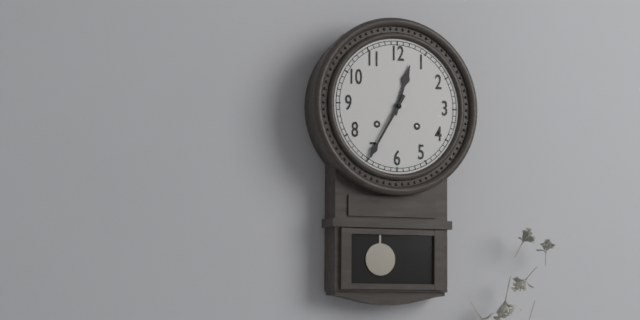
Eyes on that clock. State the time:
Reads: 12:35
